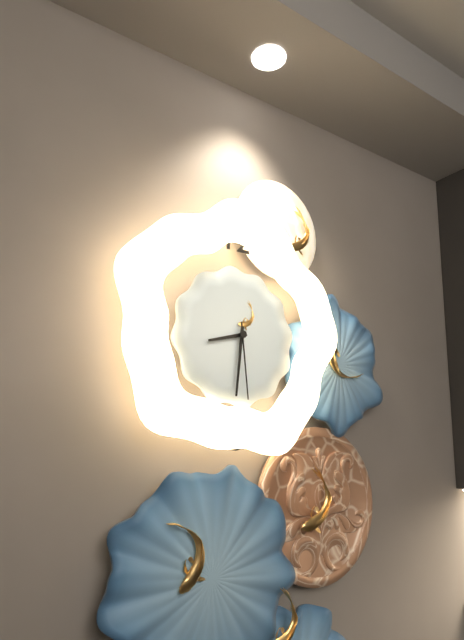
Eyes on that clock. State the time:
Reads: 8:31:29
